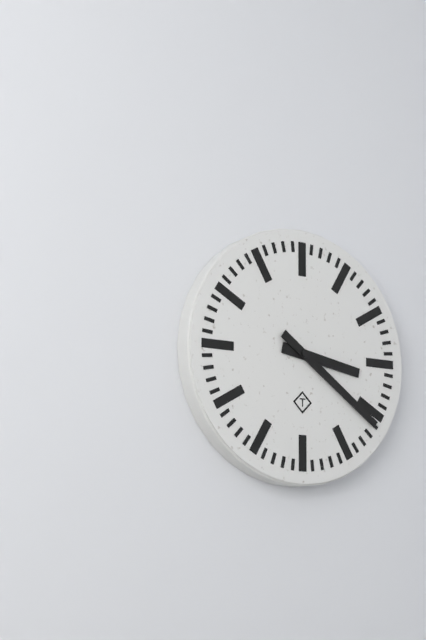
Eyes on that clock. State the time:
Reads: 3:21
